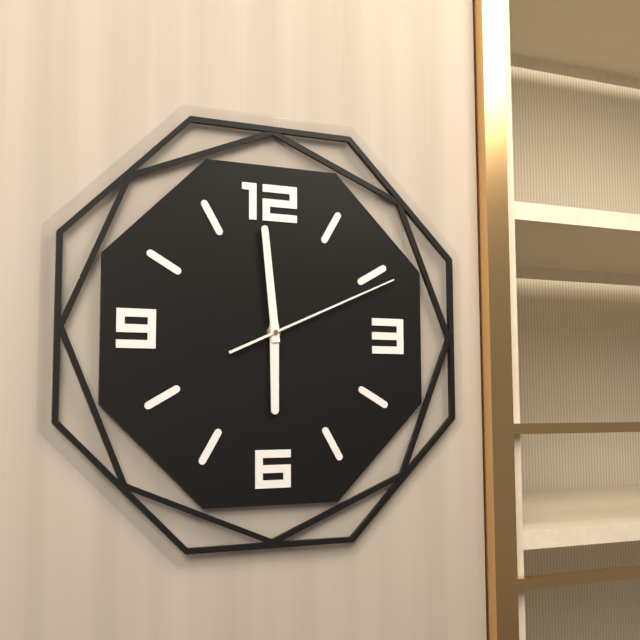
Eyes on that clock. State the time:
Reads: 5:59:11
